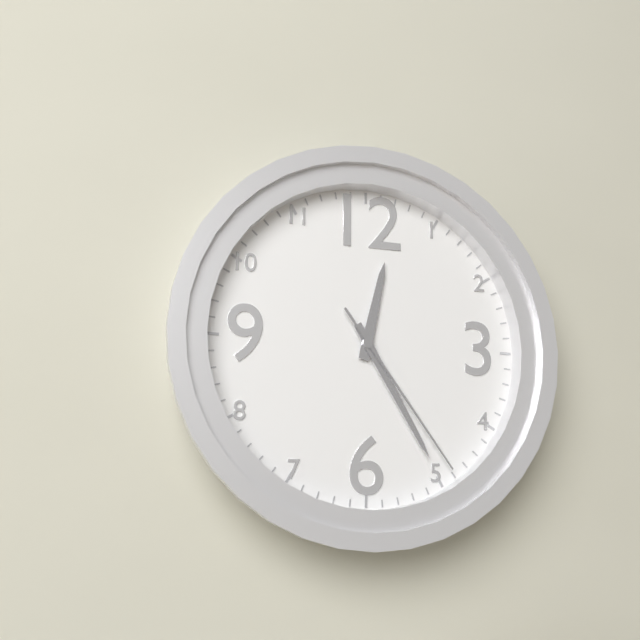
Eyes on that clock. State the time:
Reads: 12:25:24
